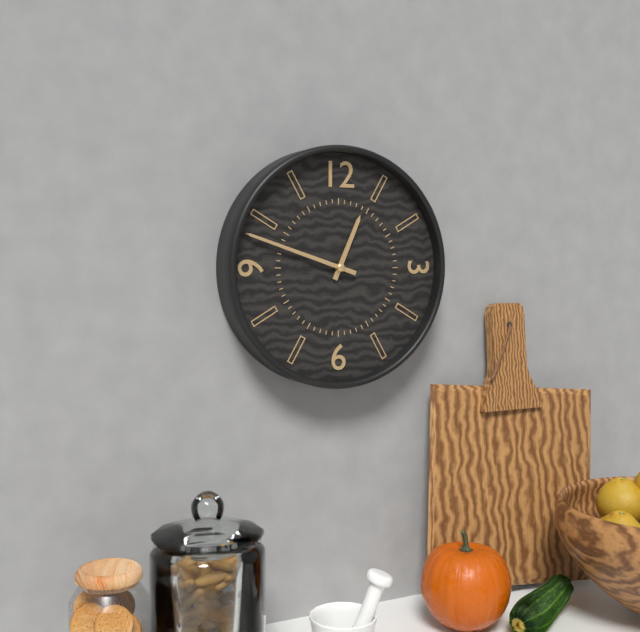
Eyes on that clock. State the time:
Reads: 12:48
